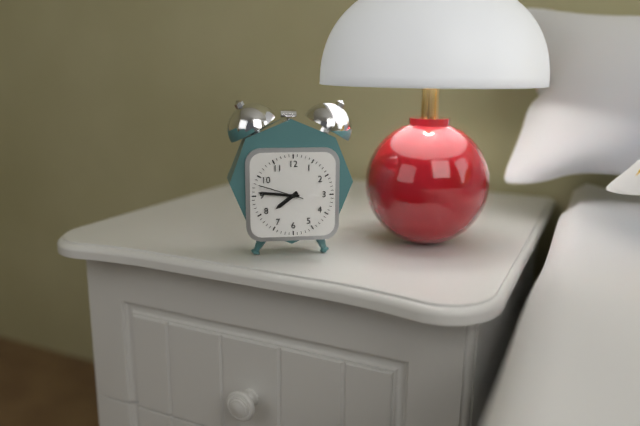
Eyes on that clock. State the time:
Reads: 7:46
